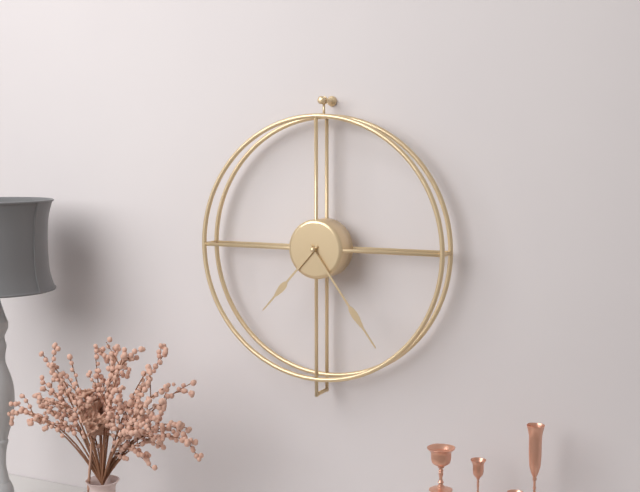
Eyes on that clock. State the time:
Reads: 7:24
